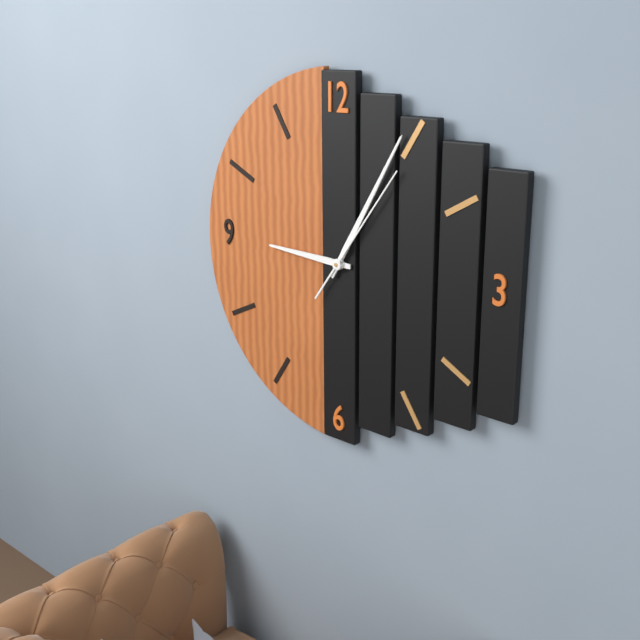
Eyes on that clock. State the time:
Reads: 9:05:06
